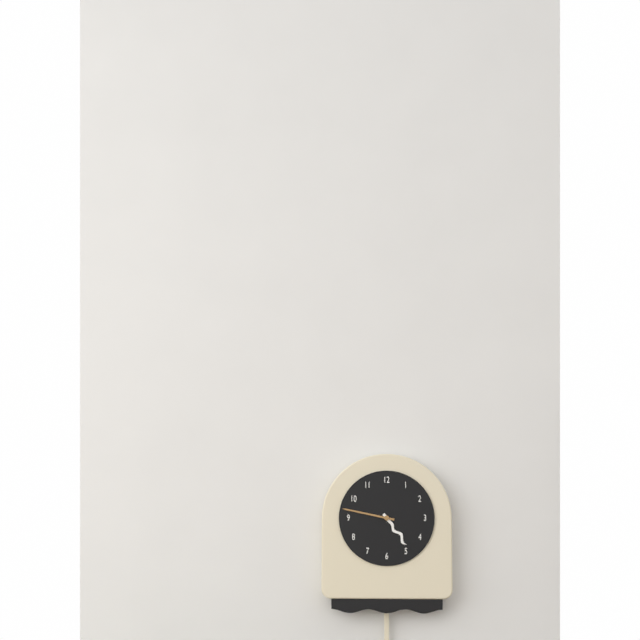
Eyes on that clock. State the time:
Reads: 4:47
